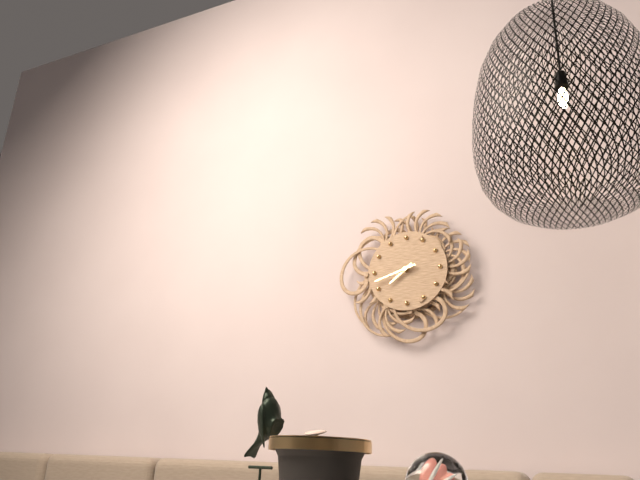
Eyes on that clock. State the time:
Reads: 7:42
